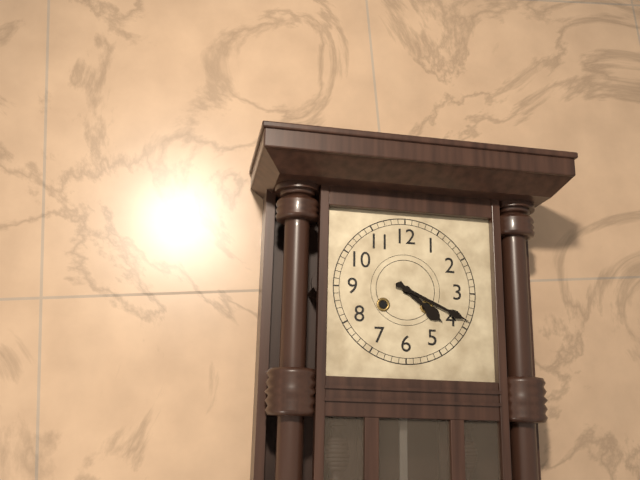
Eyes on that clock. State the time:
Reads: 4:19
